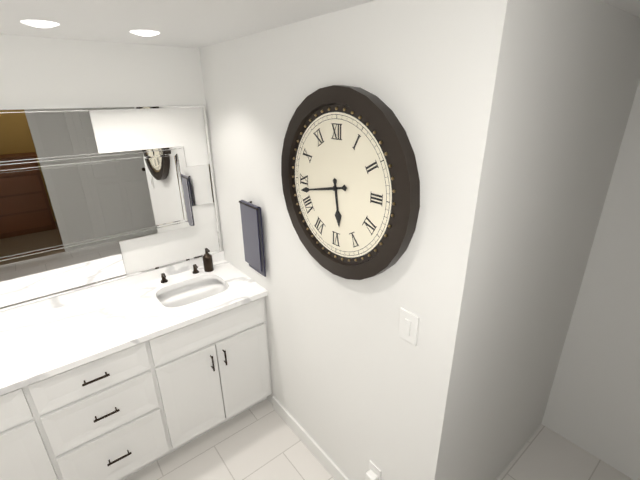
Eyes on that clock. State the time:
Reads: 5:43
